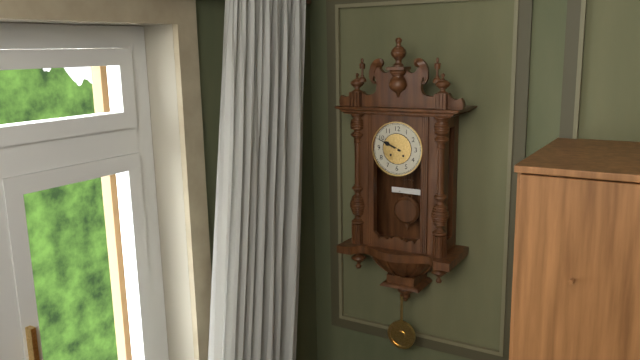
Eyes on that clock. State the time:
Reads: 9:49
